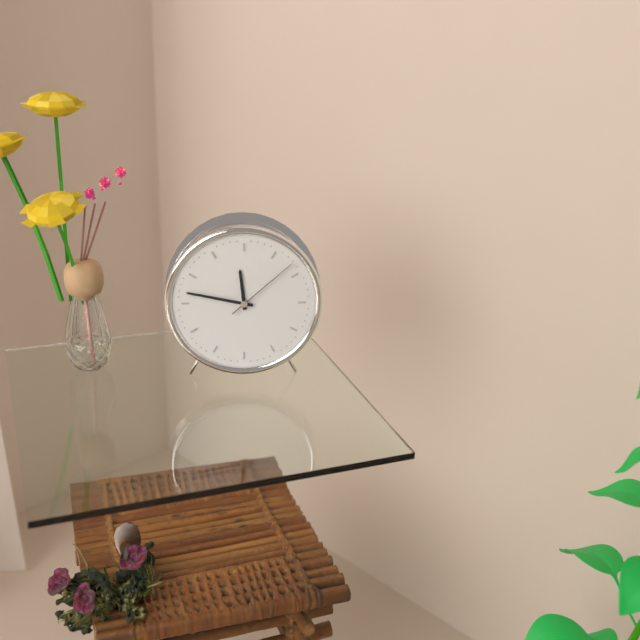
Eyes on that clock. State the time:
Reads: 11:47:08
